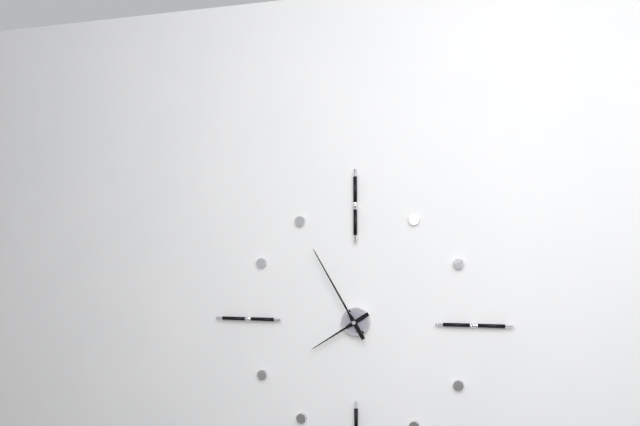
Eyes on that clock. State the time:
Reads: 7:55
